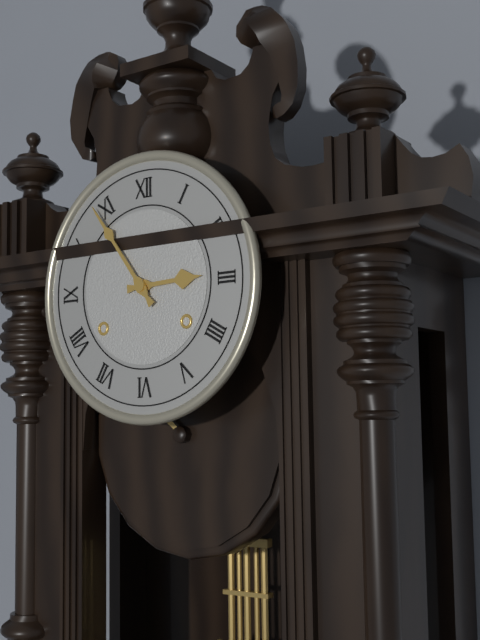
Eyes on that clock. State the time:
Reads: 2:54
